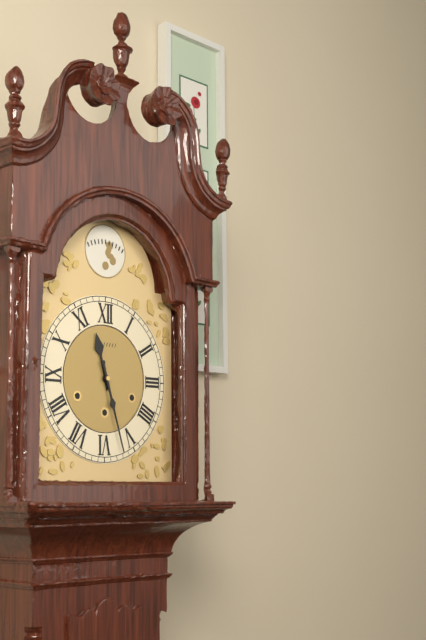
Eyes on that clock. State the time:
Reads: 11:27
